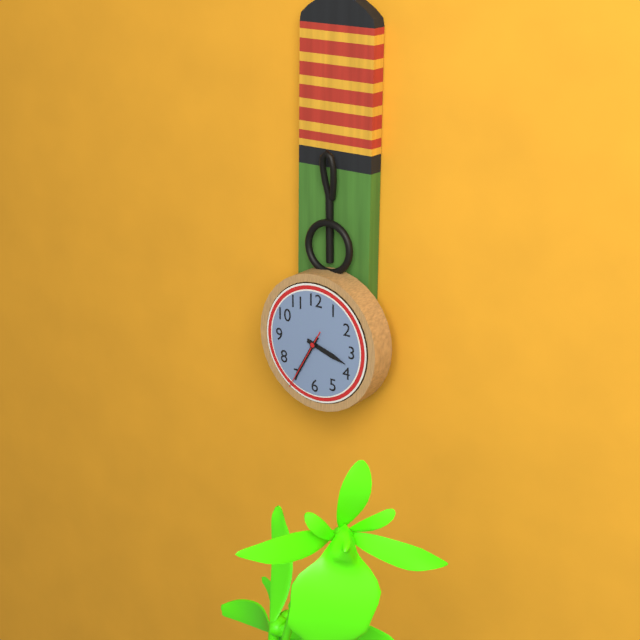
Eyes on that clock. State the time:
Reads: 3:35:35
